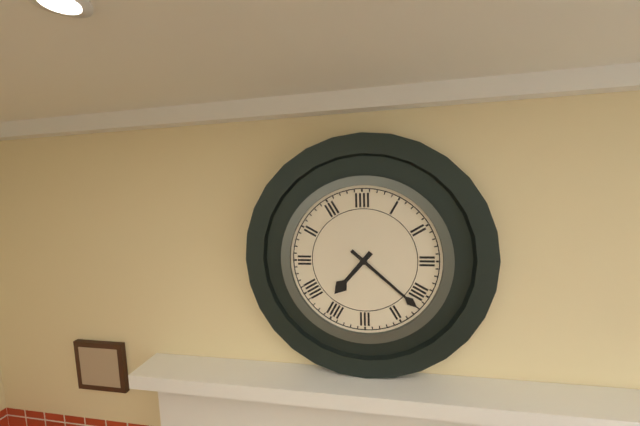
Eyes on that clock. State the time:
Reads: 7:22
